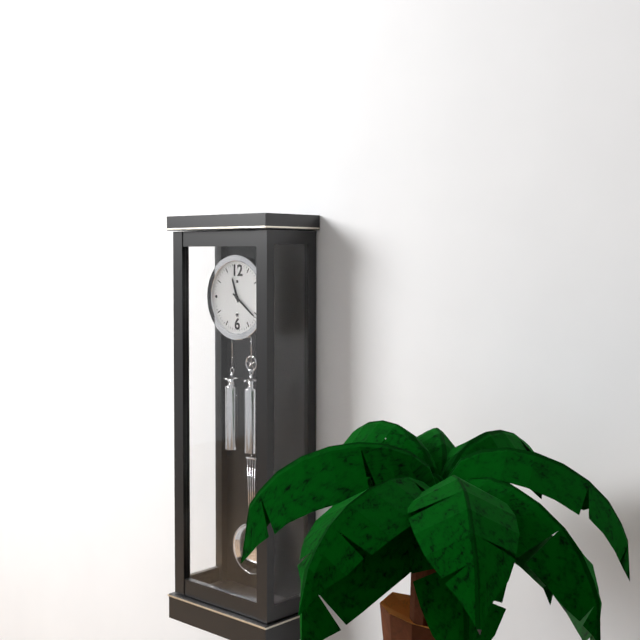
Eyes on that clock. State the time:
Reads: 11:21
